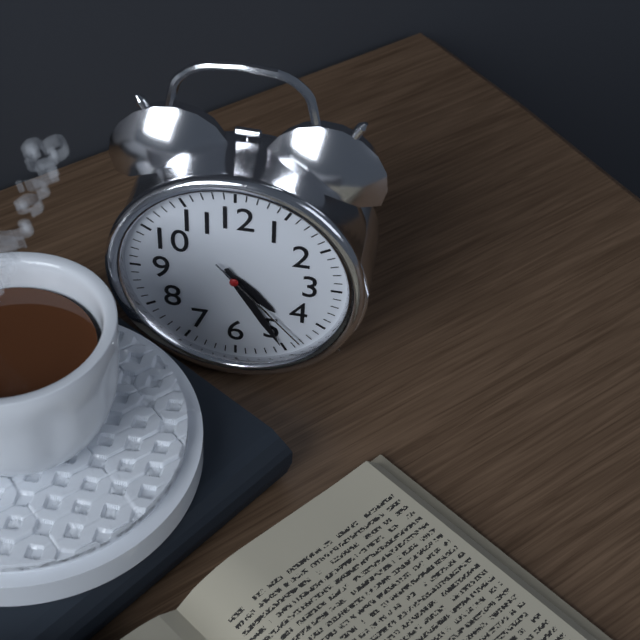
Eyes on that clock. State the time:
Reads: 4:25:23
